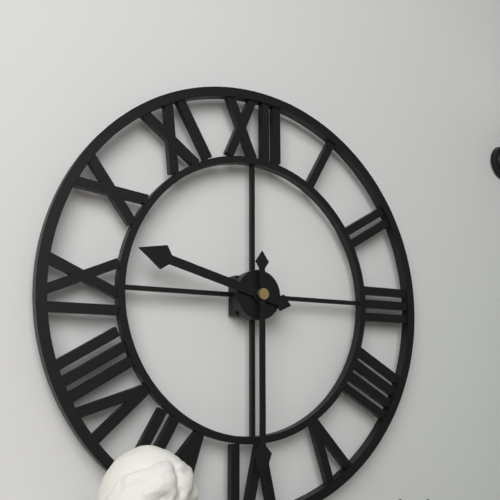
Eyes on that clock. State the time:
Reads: 9:30
